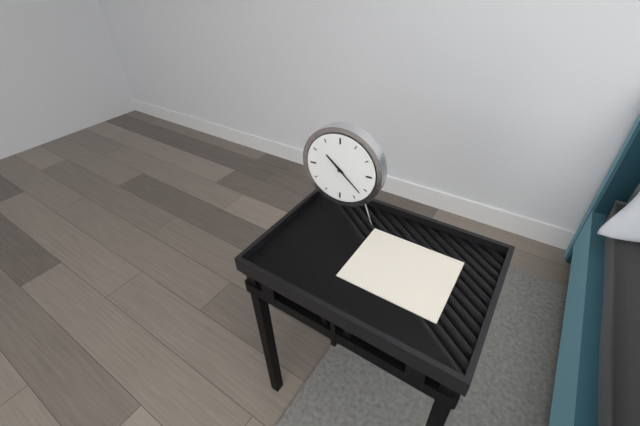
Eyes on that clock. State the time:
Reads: 10:22
